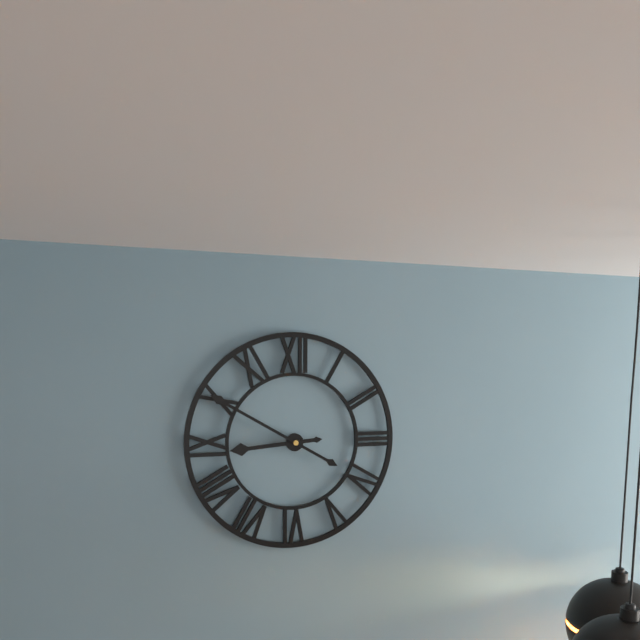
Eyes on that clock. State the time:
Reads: 8:50
